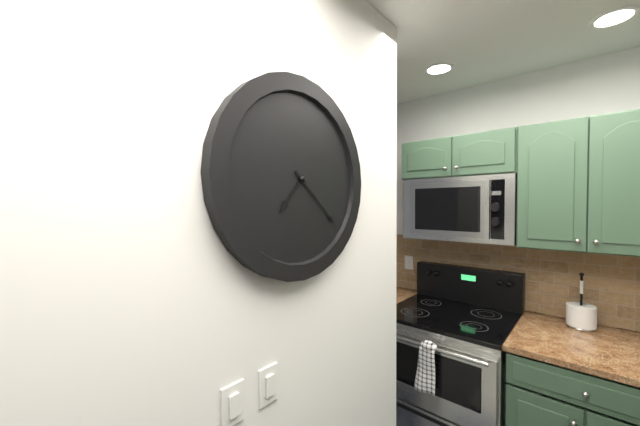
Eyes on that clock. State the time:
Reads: 7:22
